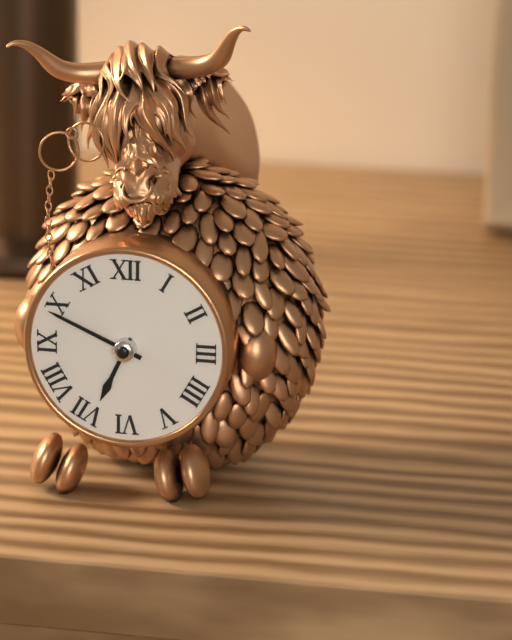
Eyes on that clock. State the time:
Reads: 6:49
